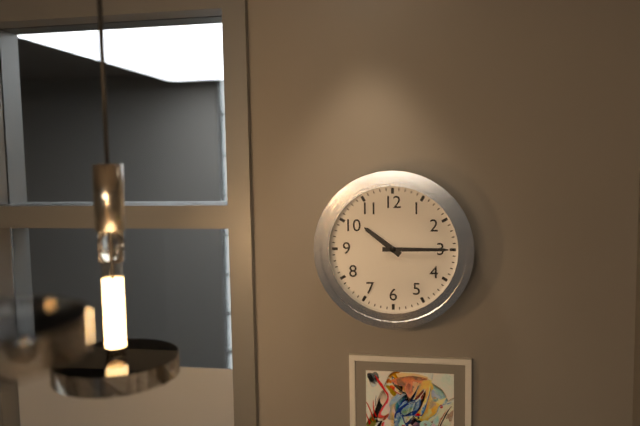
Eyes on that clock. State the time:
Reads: 10:15
